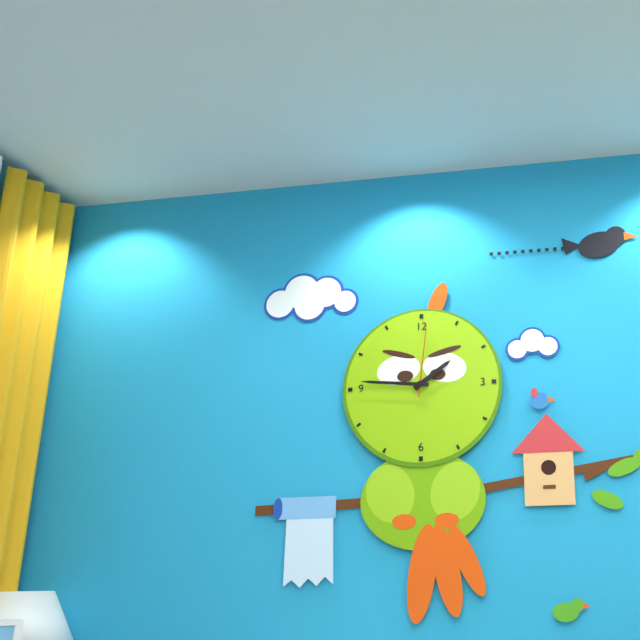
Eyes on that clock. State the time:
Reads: 1:46:01
